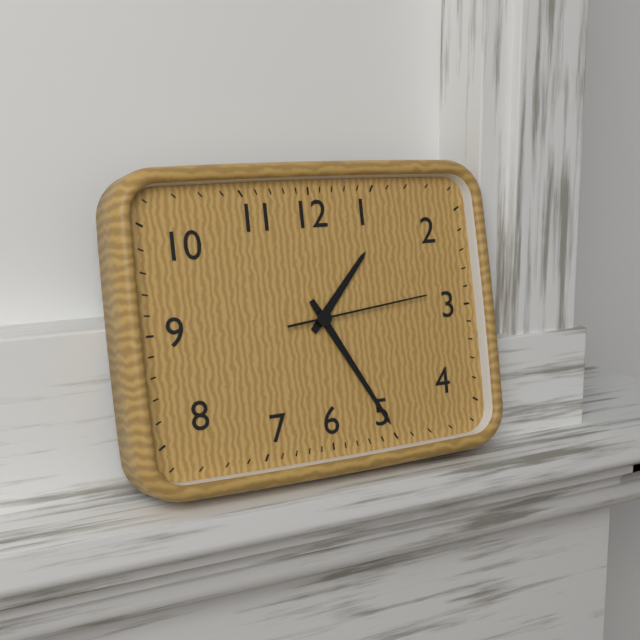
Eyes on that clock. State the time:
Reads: 1:25:14
